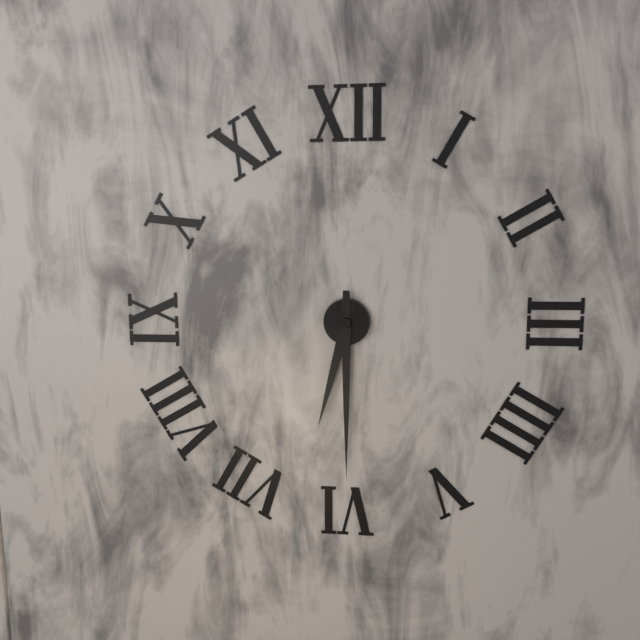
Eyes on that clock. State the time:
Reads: 6:30
